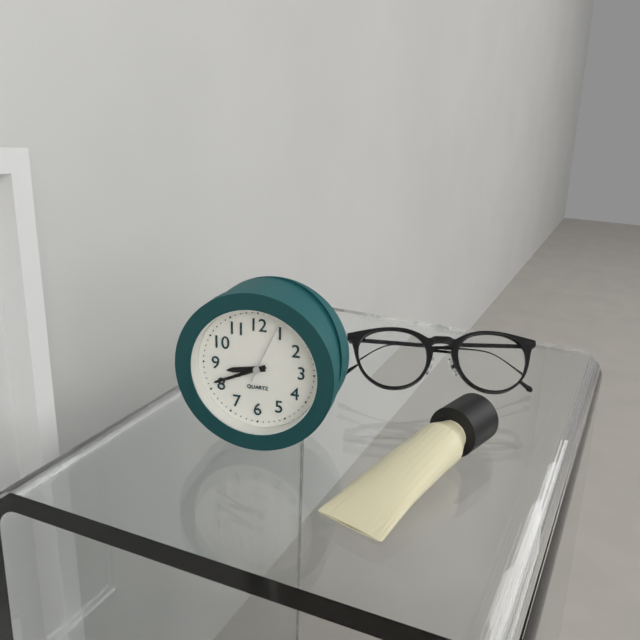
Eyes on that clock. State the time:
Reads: 8:41:04
